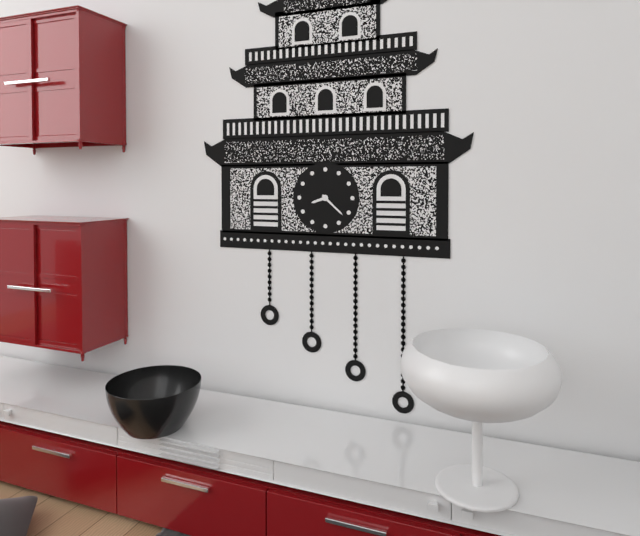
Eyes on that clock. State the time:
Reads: 8:22
